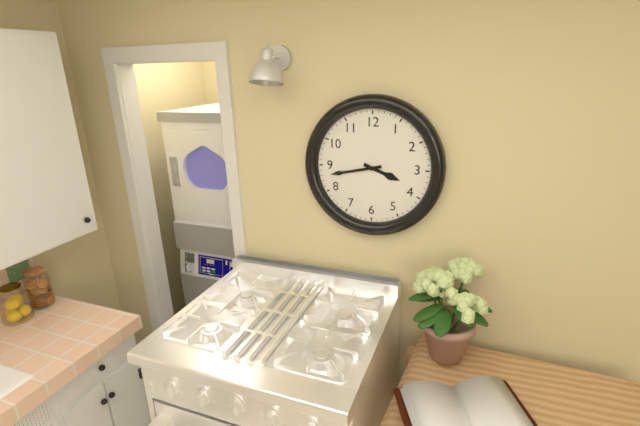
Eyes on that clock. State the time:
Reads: 3:43
